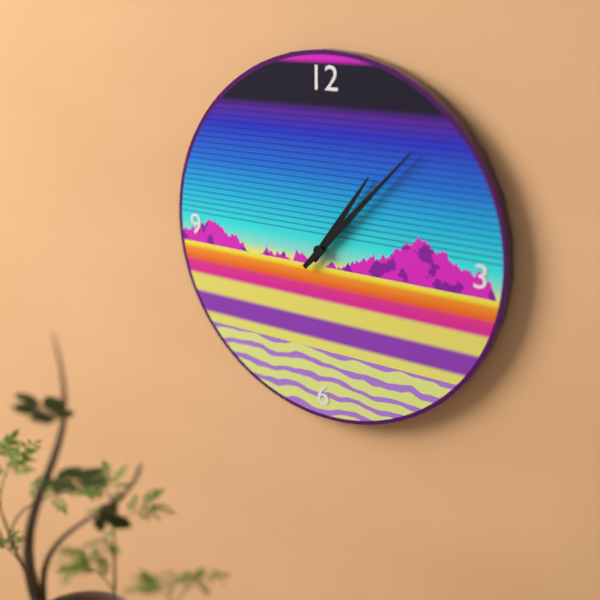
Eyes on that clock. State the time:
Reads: 1:07
